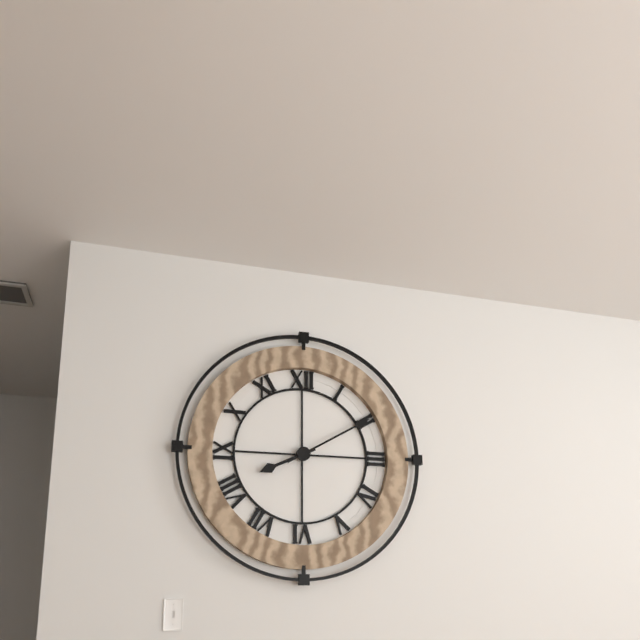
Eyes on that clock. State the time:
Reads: 8:10
